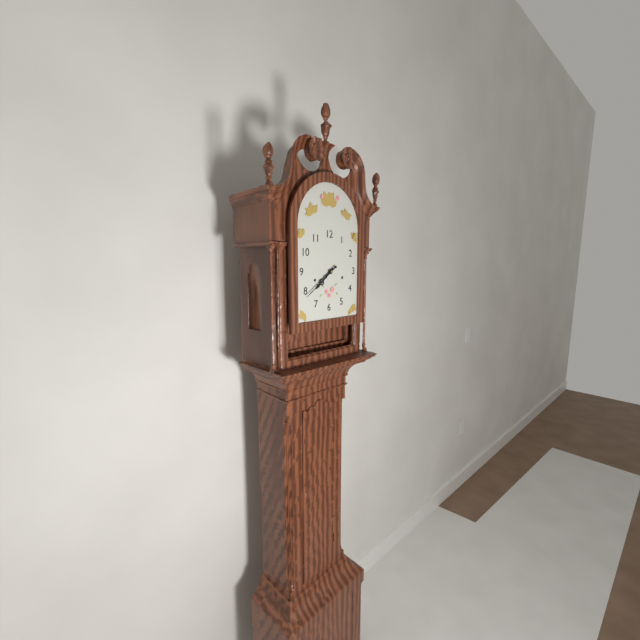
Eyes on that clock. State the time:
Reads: 7:39
